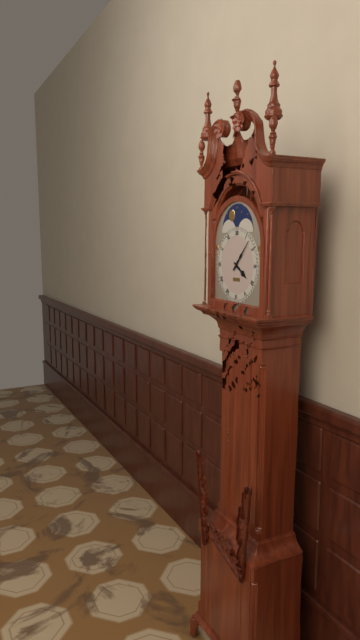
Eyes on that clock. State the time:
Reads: 4:07
